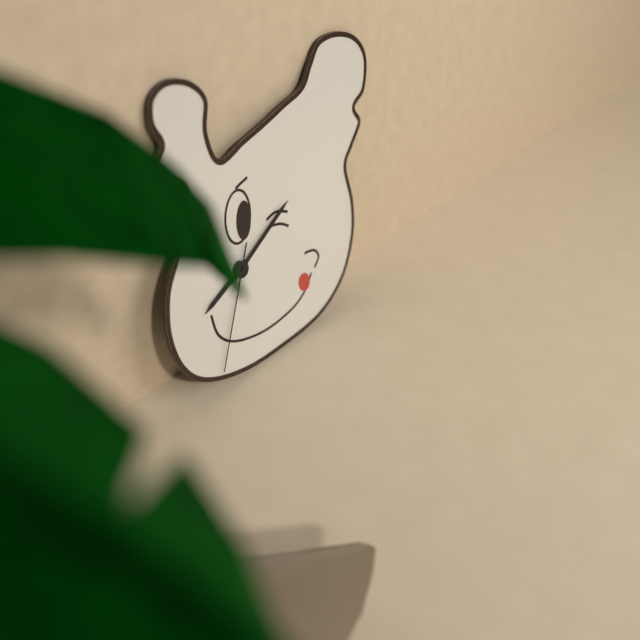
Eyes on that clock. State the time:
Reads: 8:10:34
